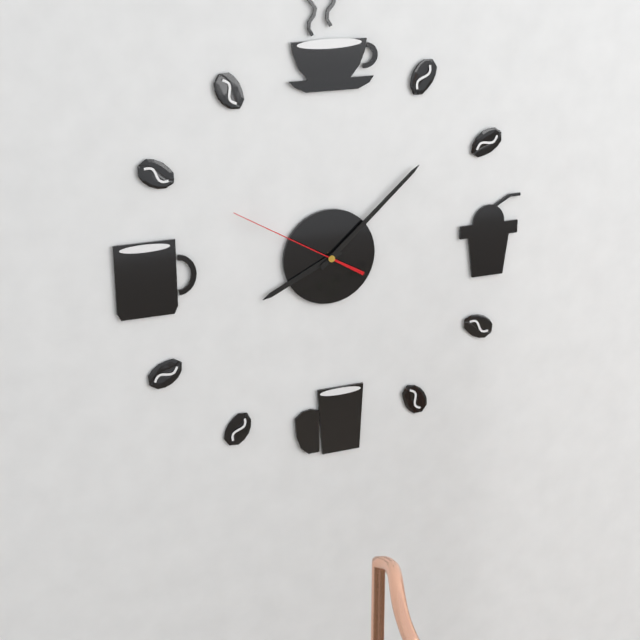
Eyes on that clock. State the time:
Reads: 8:08:50
